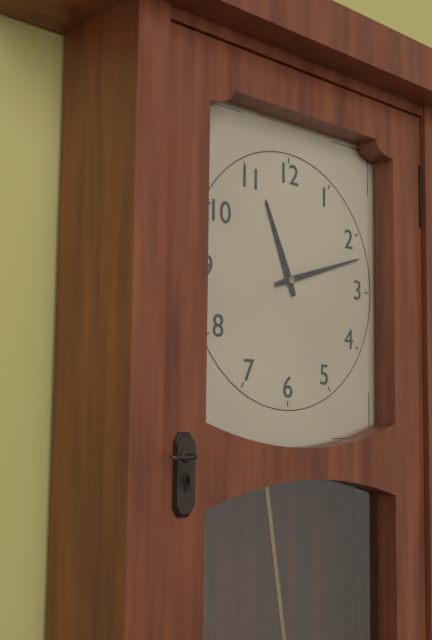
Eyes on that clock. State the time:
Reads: 11:12
